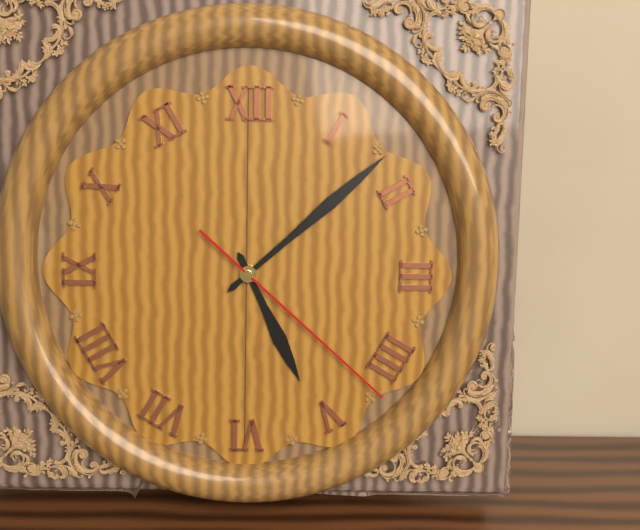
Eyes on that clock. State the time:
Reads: 5:08:22
